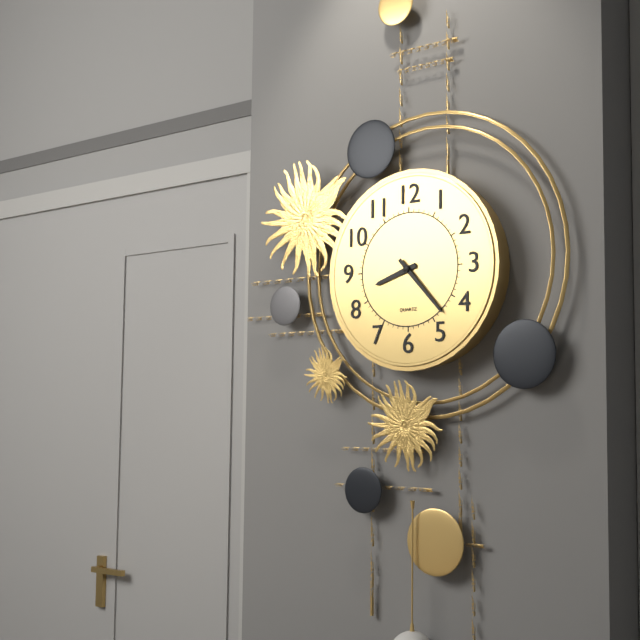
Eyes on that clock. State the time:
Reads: 8:23
